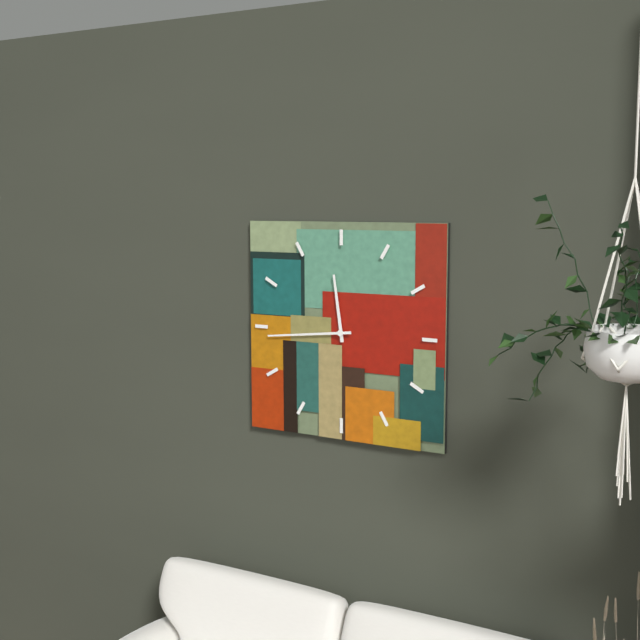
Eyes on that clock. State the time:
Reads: 11:44
